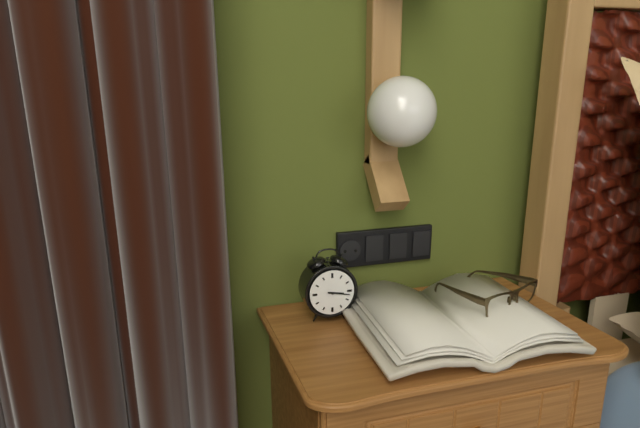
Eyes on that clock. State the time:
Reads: 3:17
